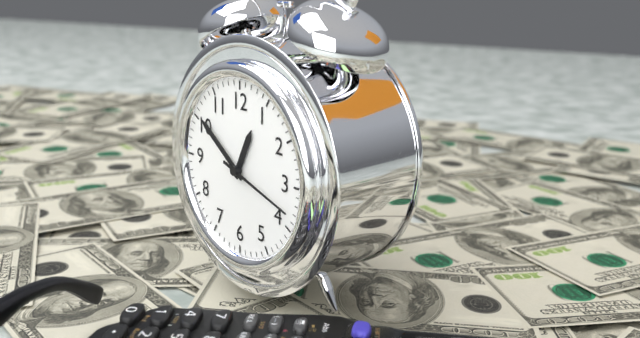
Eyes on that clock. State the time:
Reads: 12:51:18
